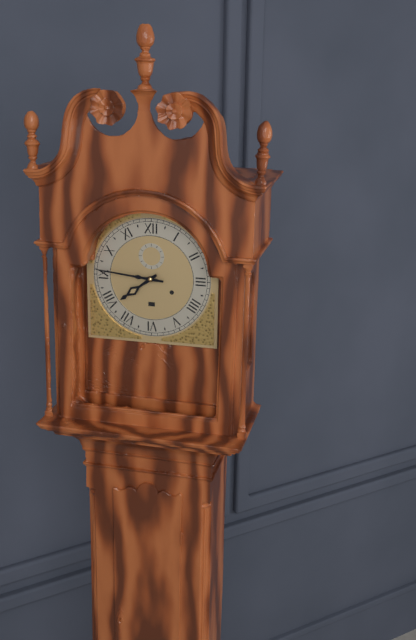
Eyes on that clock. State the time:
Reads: 7:46
